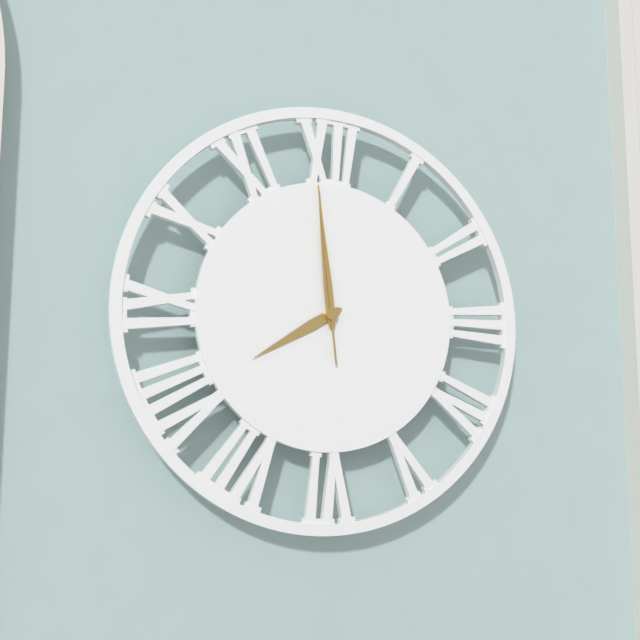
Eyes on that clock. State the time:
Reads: 7:59:59
